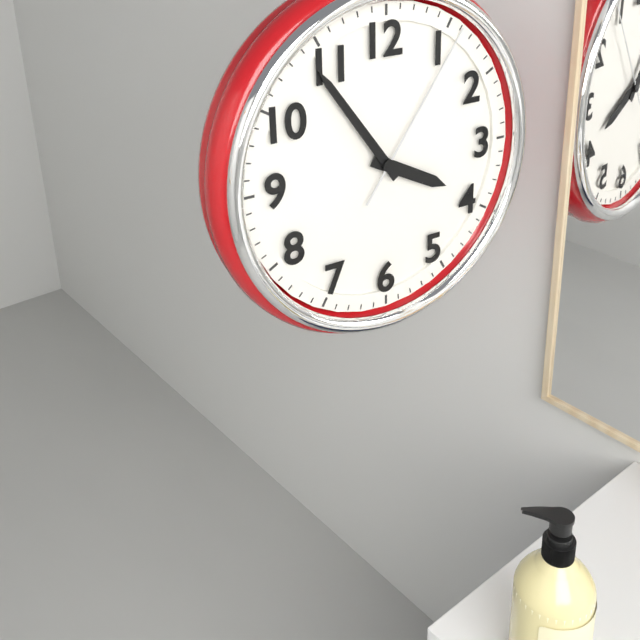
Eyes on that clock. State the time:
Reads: 3:54:06
